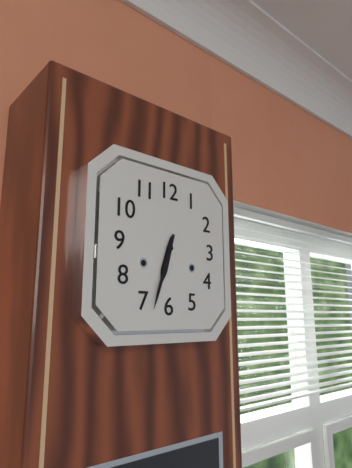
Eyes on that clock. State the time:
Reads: 6:33
